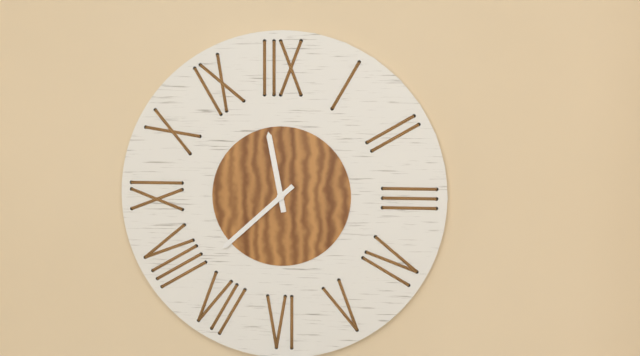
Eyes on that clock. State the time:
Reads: 11:38
